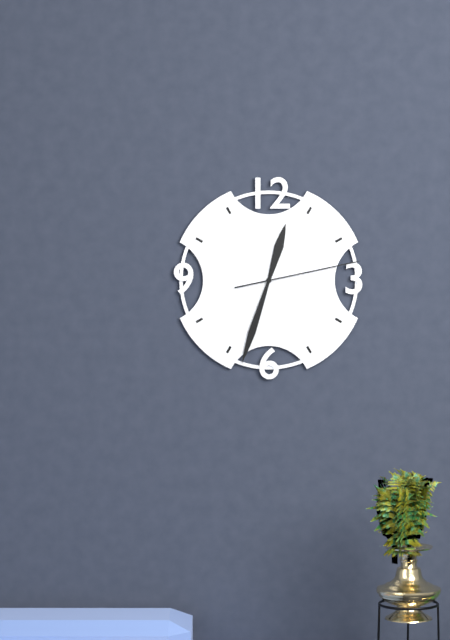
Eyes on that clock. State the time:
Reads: 12:33:13
